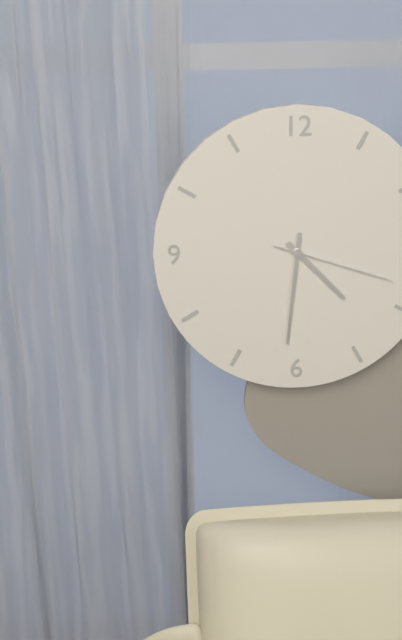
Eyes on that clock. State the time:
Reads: 4:31:18
